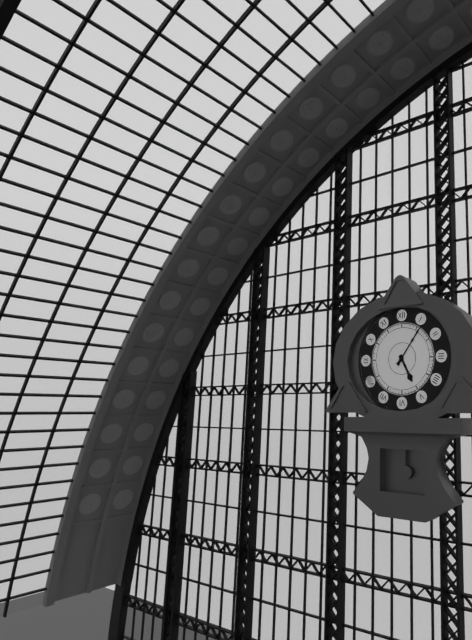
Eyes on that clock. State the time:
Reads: 5:06
